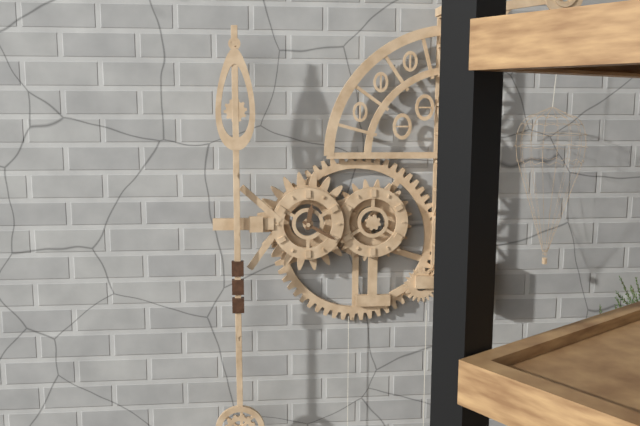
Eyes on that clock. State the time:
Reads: 12:20
